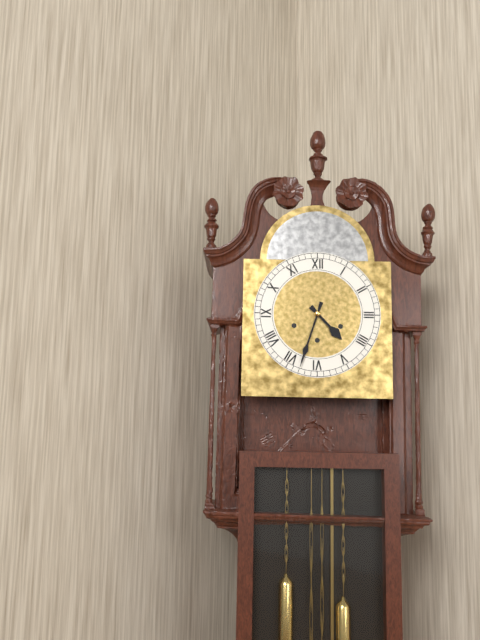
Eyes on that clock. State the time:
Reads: 4:33
